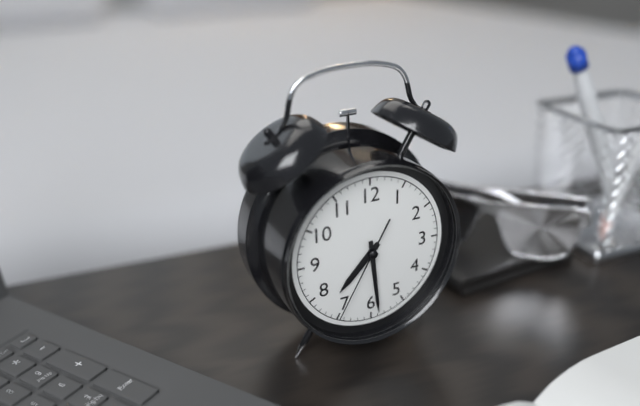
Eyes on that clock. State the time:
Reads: 7:29:35
